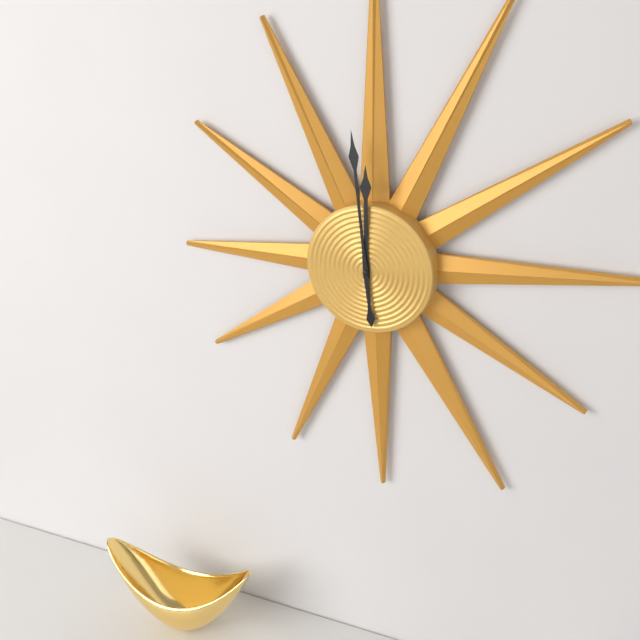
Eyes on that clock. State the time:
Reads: 11:59
